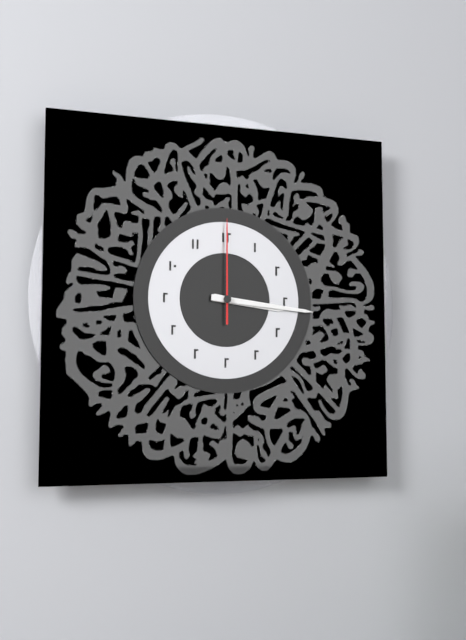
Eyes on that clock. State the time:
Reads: 3:16:00
